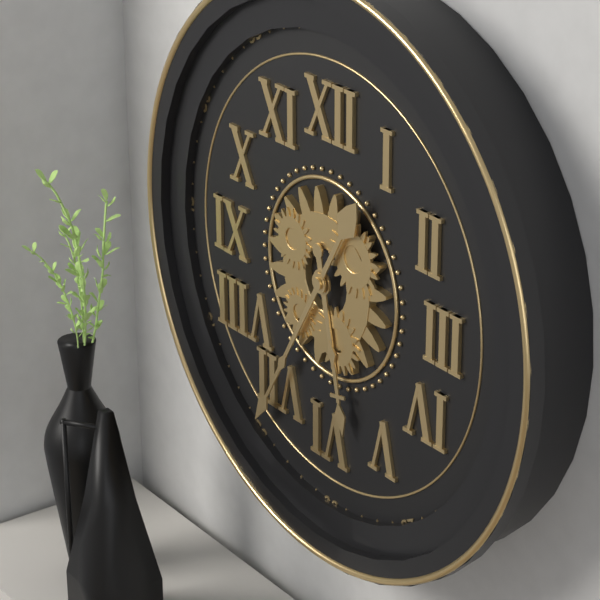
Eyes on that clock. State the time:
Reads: 5:35
